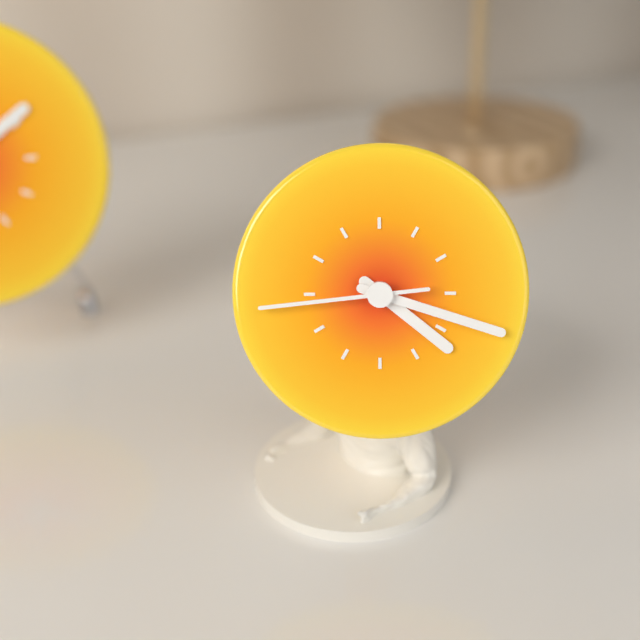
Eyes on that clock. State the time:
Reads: 4:18:44
